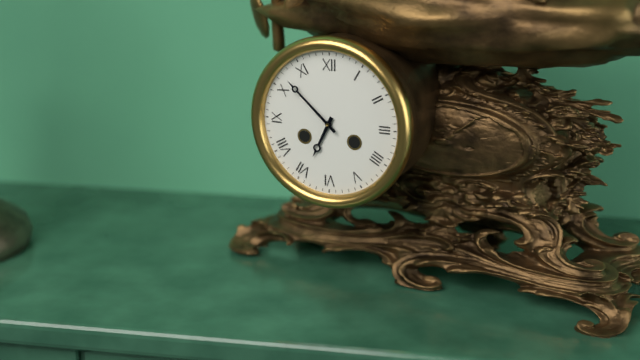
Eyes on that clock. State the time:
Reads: 6:52
